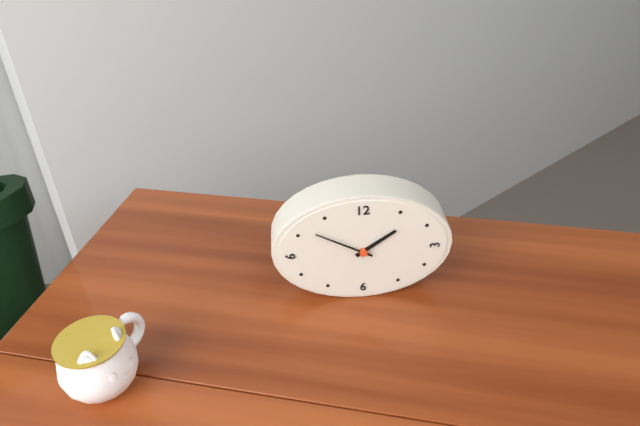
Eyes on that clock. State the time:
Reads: 1:50
